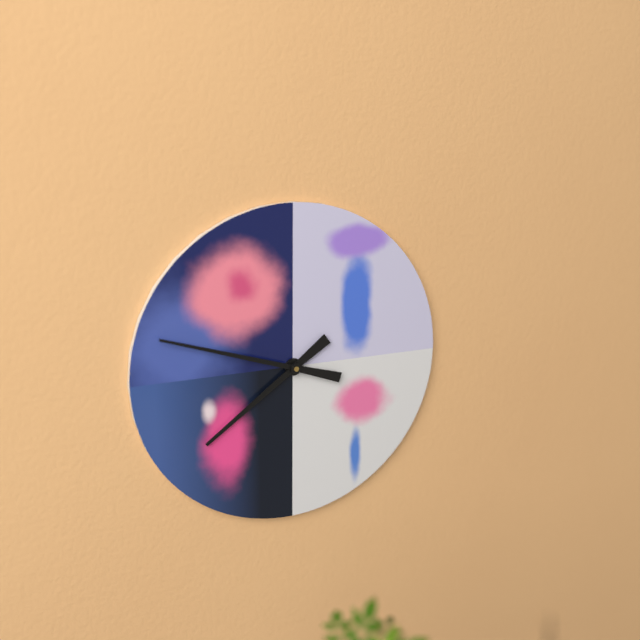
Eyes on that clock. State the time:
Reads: 7:48
